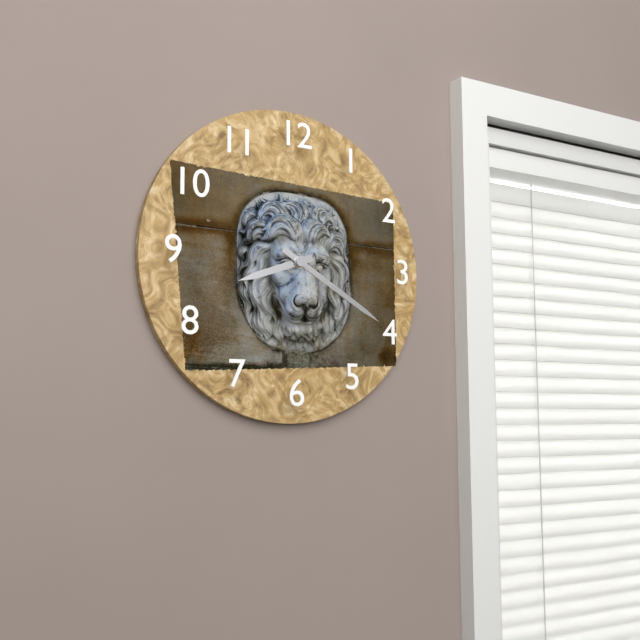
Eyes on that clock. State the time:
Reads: 8:20
